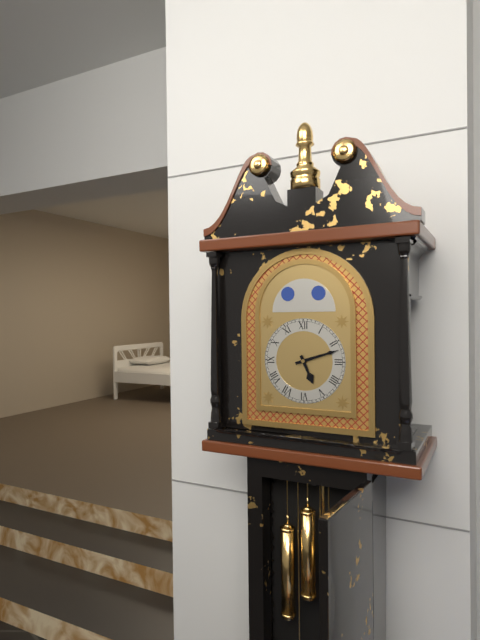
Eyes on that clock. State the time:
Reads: 5:12
